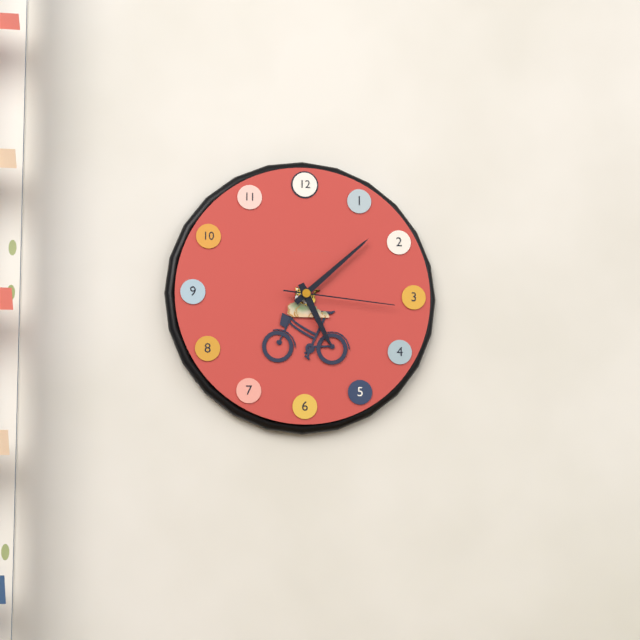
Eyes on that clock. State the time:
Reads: 5:08:16
